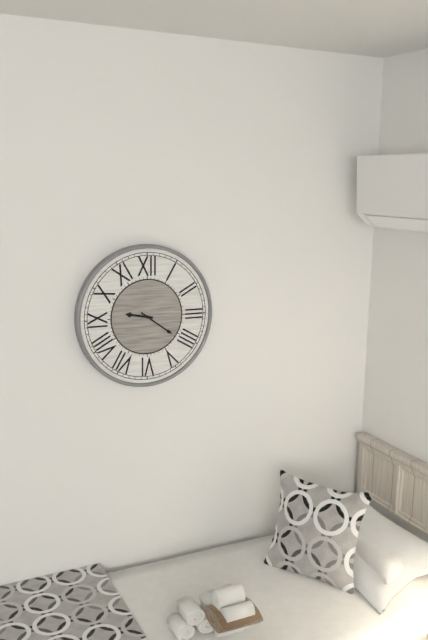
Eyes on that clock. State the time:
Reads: 9:21
